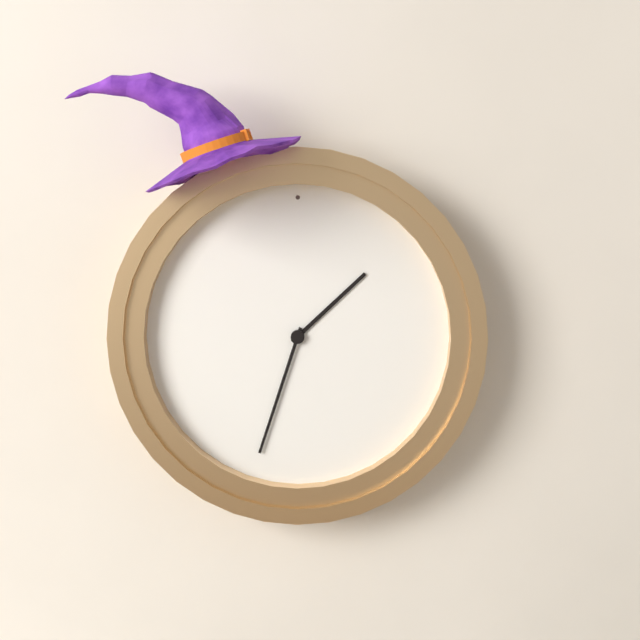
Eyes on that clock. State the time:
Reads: 1:33
